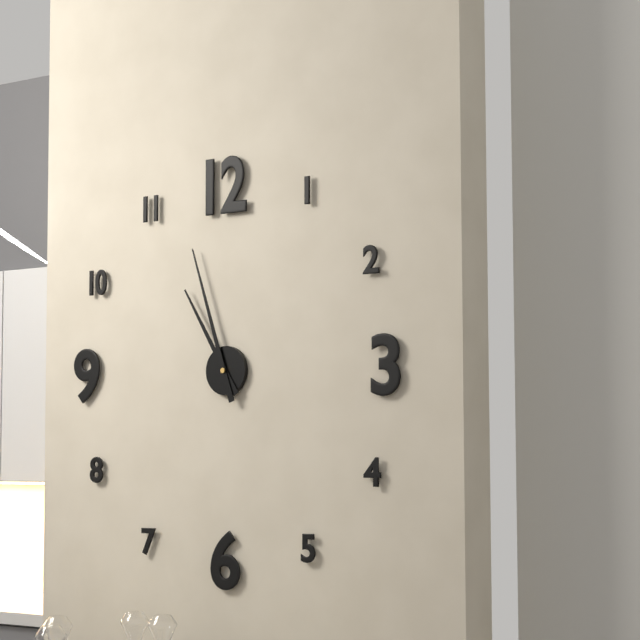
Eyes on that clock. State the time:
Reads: 10:57
